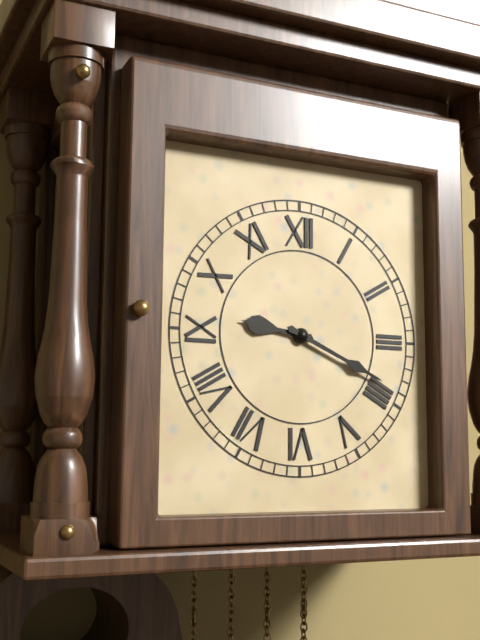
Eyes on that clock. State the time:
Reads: 9:19
